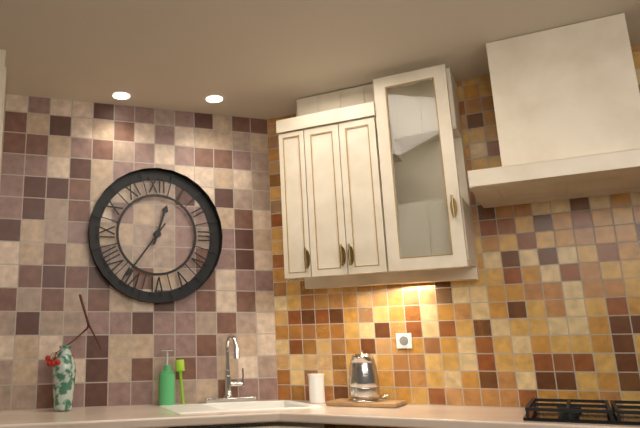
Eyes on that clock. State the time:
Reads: 12:36
